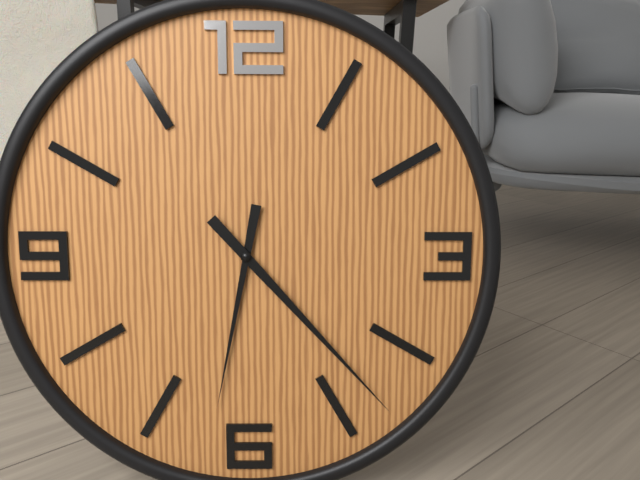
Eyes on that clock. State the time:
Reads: 6:23
